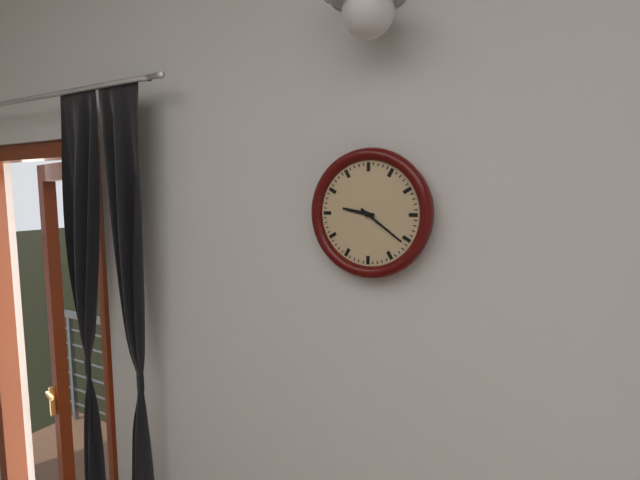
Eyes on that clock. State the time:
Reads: 9:21
